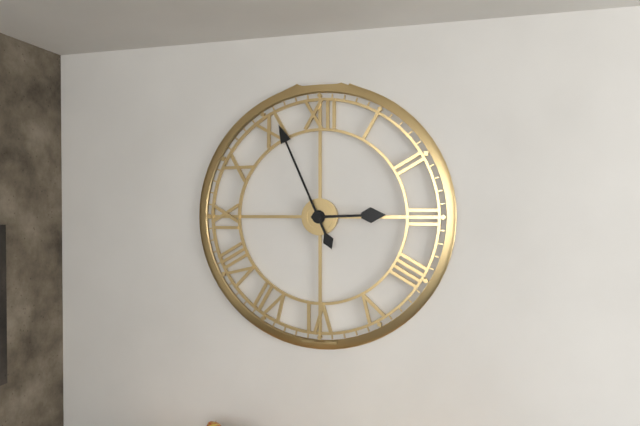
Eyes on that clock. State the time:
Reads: 2:56
